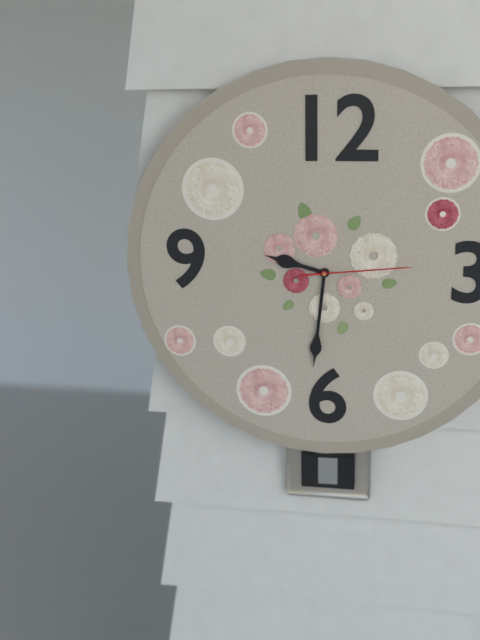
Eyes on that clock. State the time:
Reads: 9:31:14
